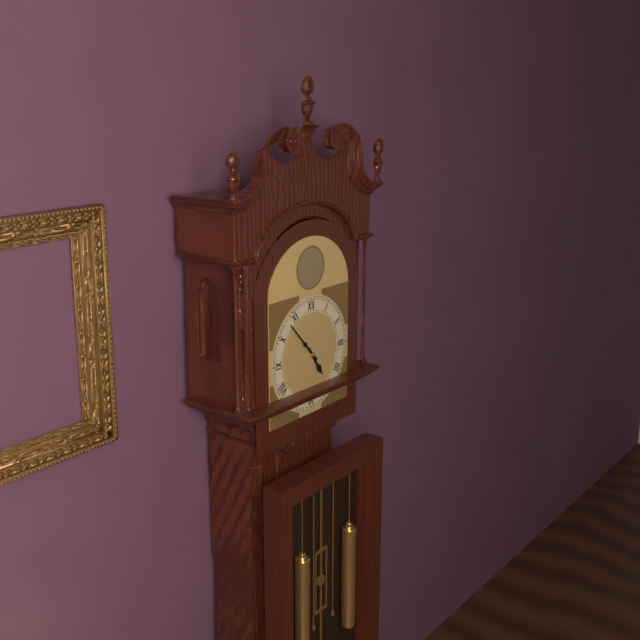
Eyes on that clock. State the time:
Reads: 4:53
